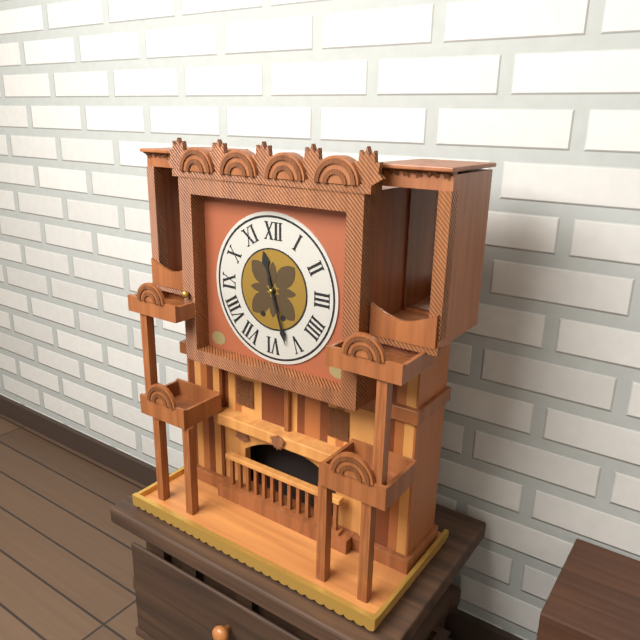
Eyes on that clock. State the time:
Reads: 11:27
